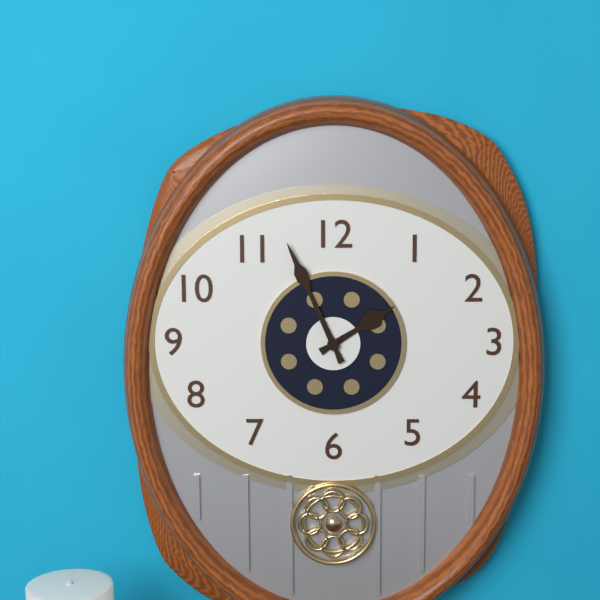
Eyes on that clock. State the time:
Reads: 1:56
